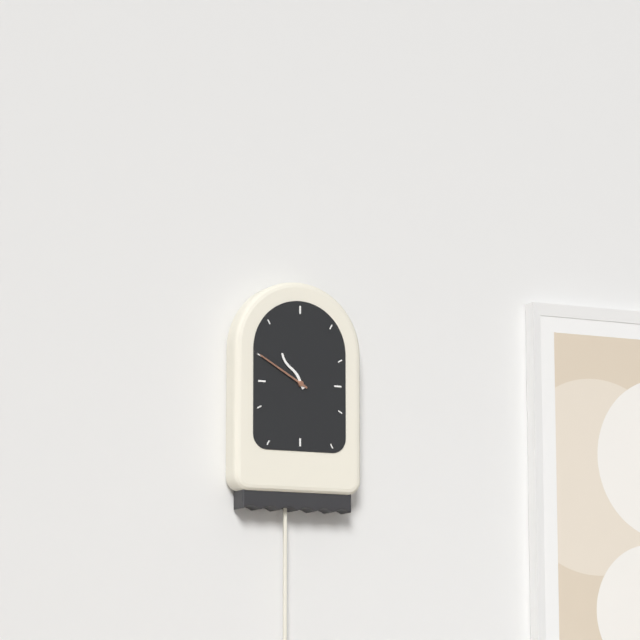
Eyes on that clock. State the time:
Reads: 10:50
